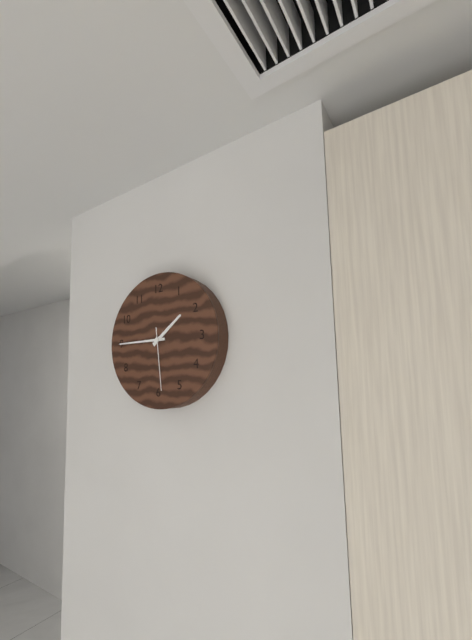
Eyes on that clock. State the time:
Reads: 1:45:29
